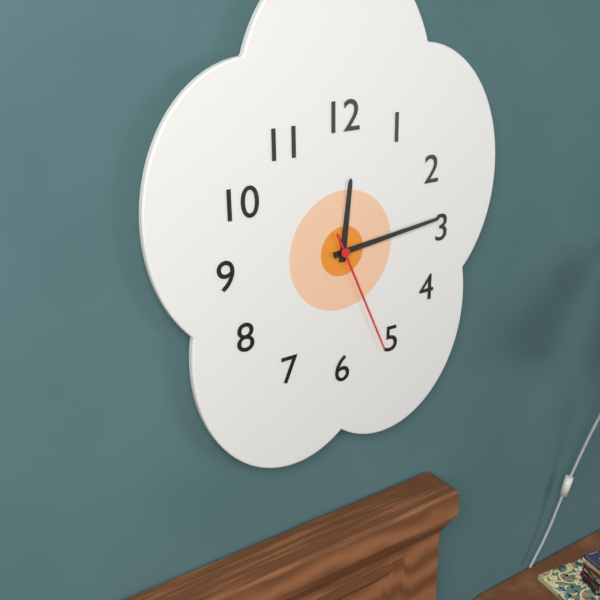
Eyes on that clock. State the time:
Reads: 12:14:26
